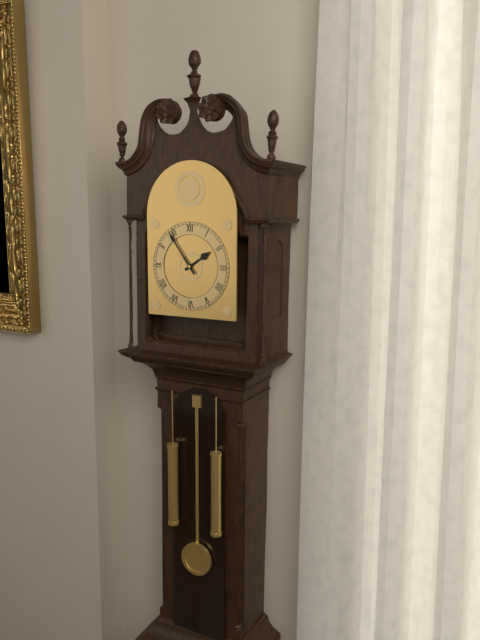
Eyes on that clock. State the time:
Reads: 1:54
